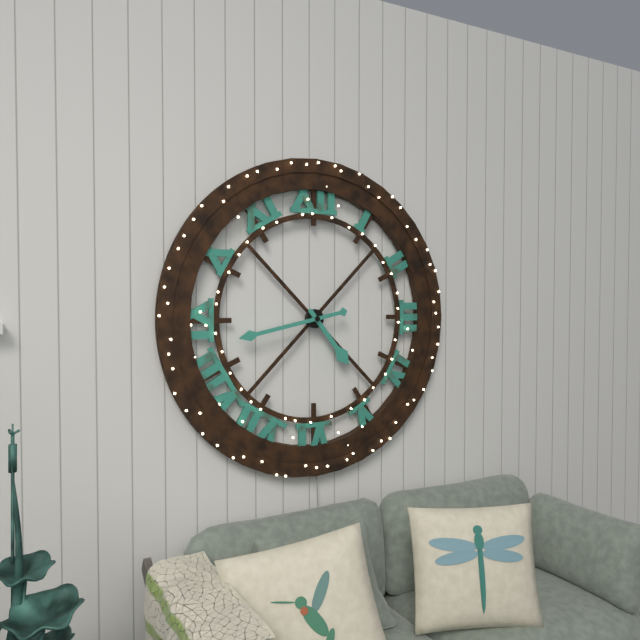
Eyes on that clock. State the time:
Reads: 4:43
